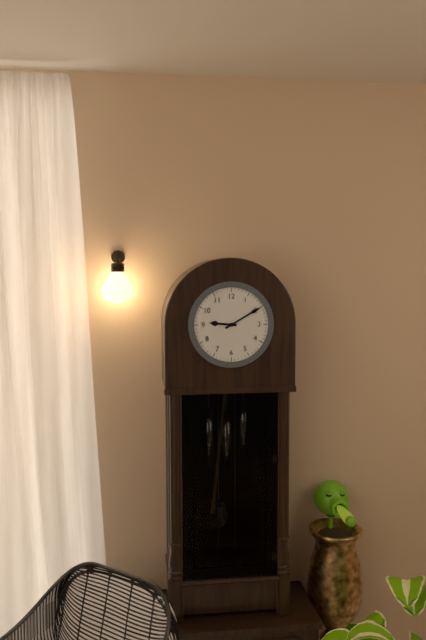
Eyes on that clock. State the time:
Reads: 9:10
